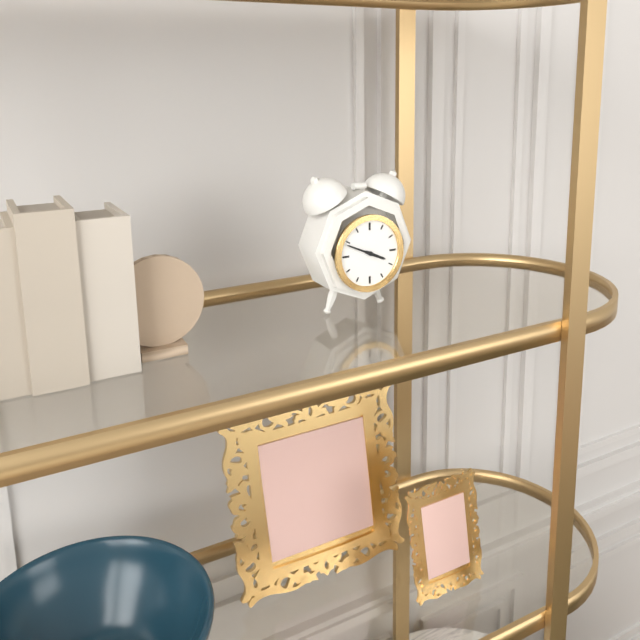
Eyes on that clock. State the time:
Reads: 3:49
